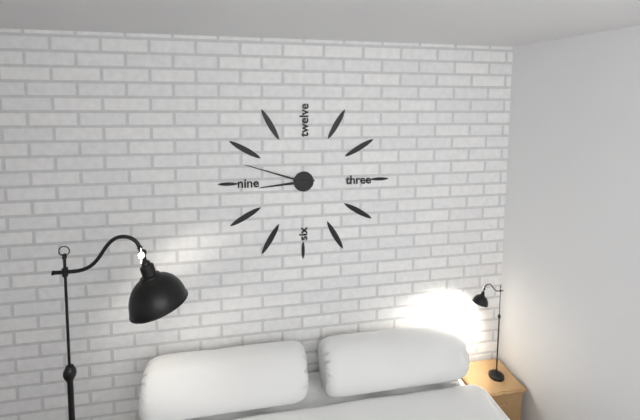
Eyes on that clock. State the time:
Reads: 8:48
